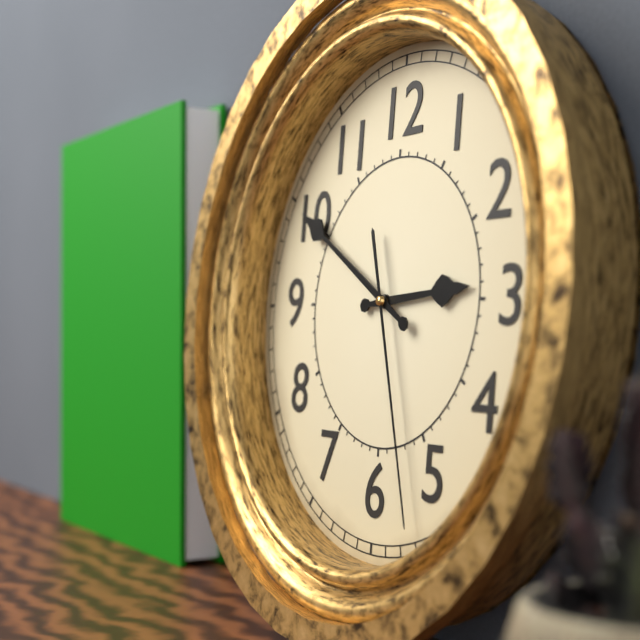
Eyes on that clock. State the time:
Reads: 2:50:27
